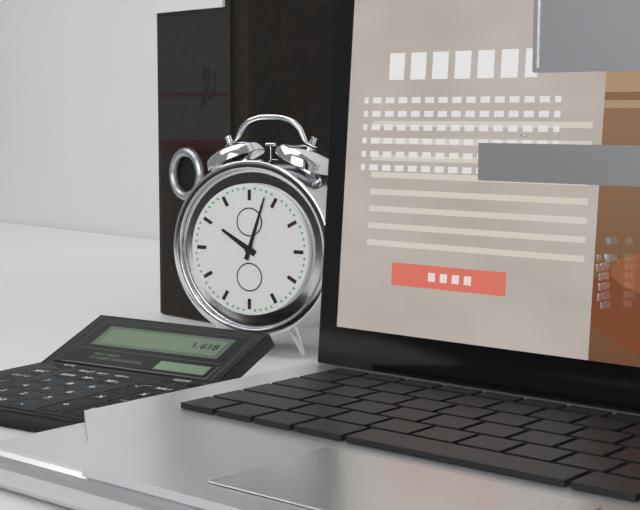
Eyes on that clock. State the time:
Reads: 10:03
